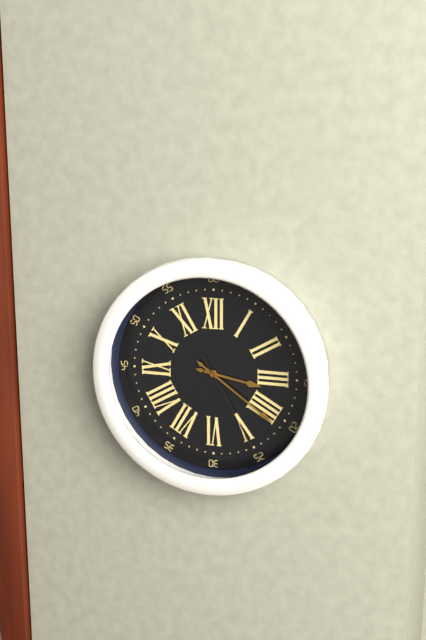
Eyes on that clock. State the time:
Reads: 3:21:25
